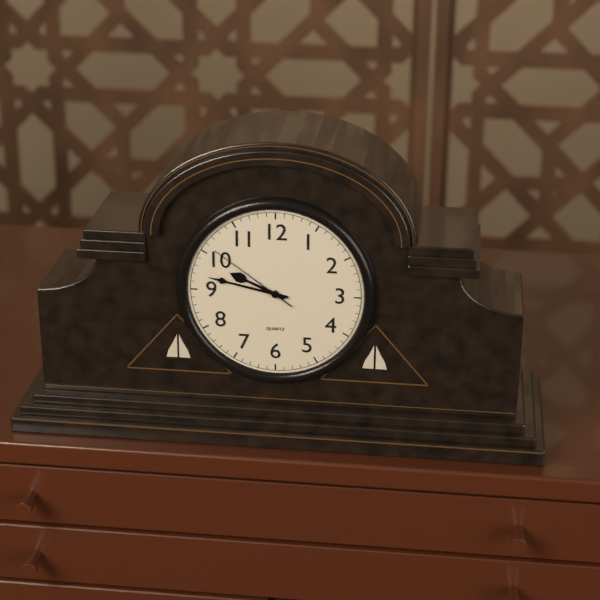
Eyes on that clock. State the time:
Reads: 9:47:51
